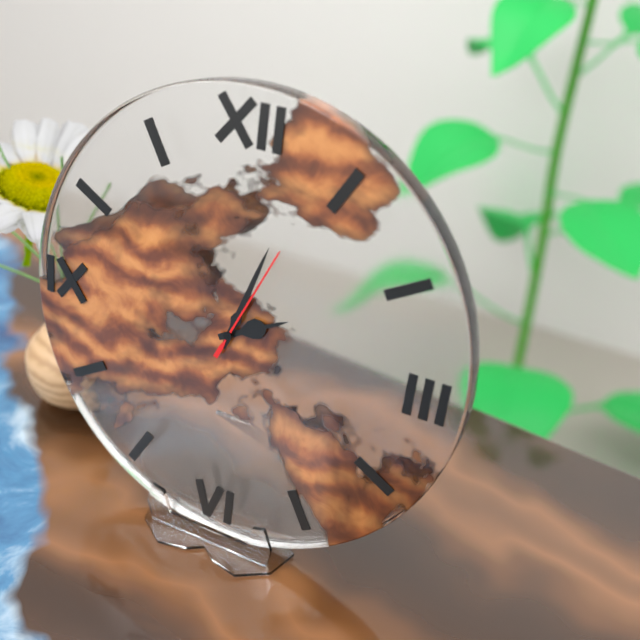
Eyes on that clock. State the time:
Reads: 2:03:04
